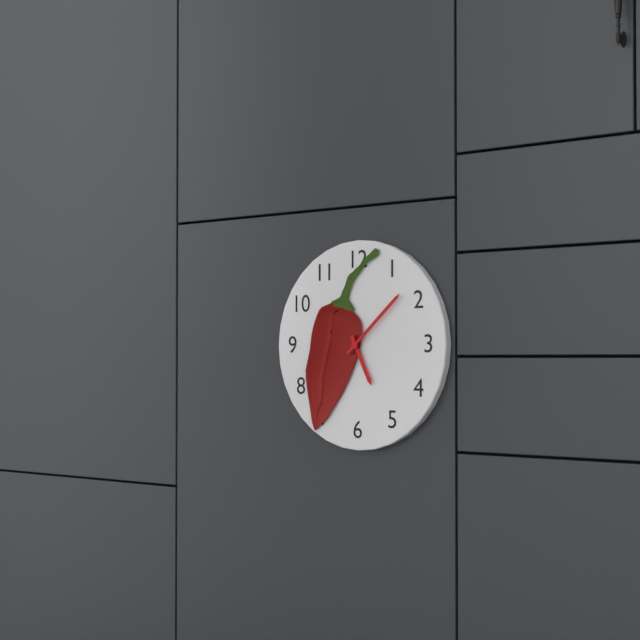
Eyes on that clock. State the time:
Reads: 5:08
